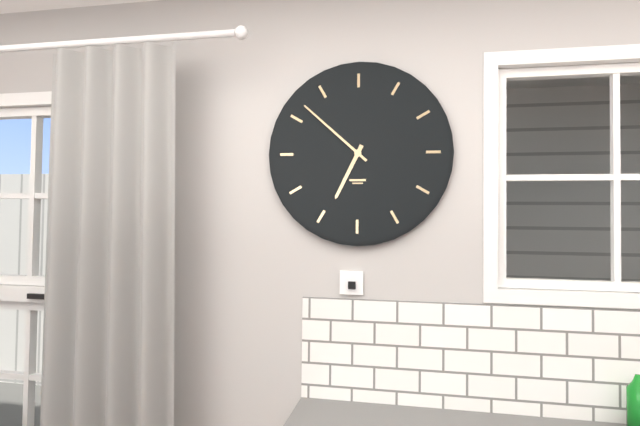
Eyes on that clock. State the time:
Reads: 6:52
